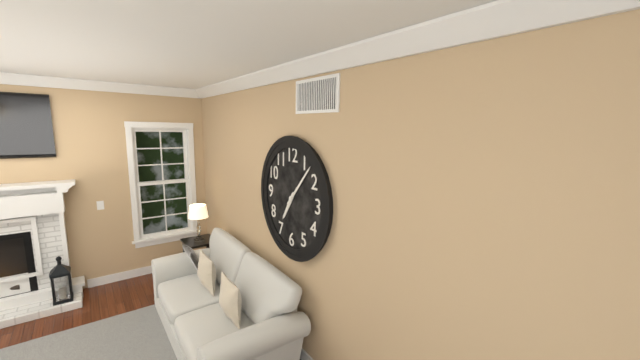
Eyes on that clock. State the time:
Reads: 7:07
